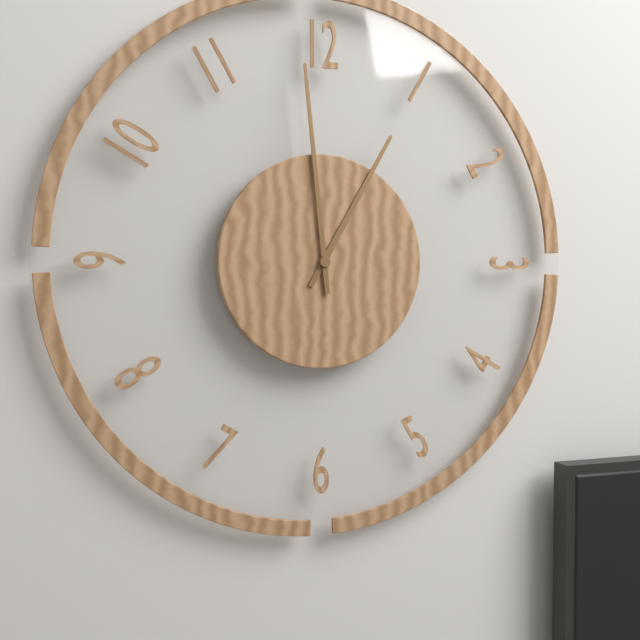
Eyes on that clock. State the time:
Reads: 12:59
